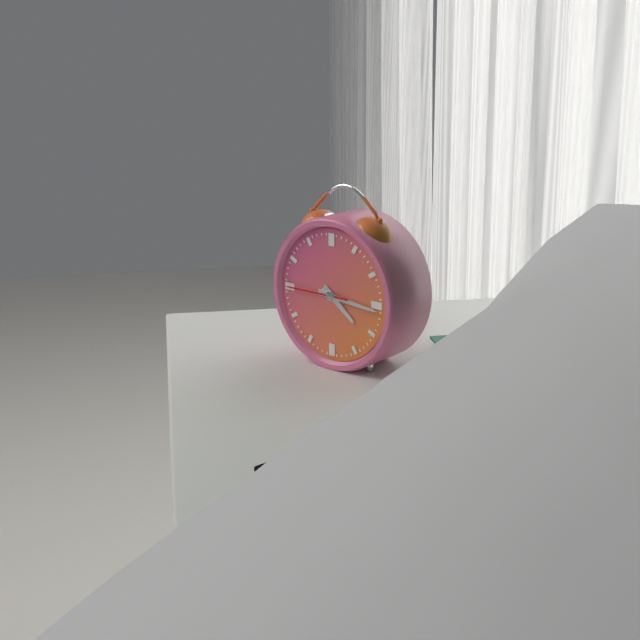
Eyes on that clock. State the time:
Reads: 4:16:45
